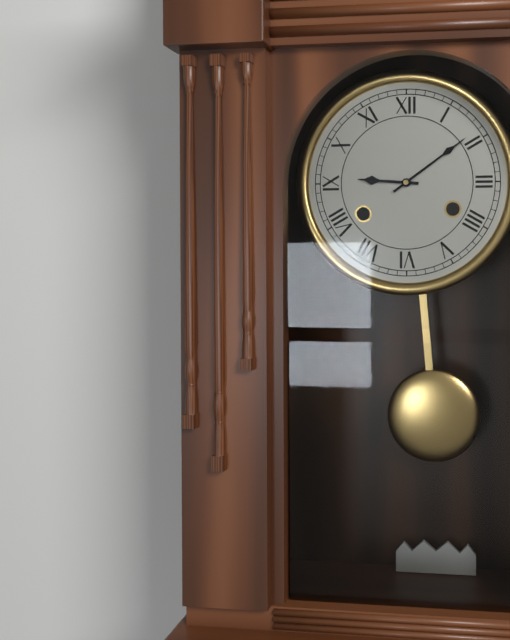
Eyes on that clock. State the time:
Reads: 9:09
